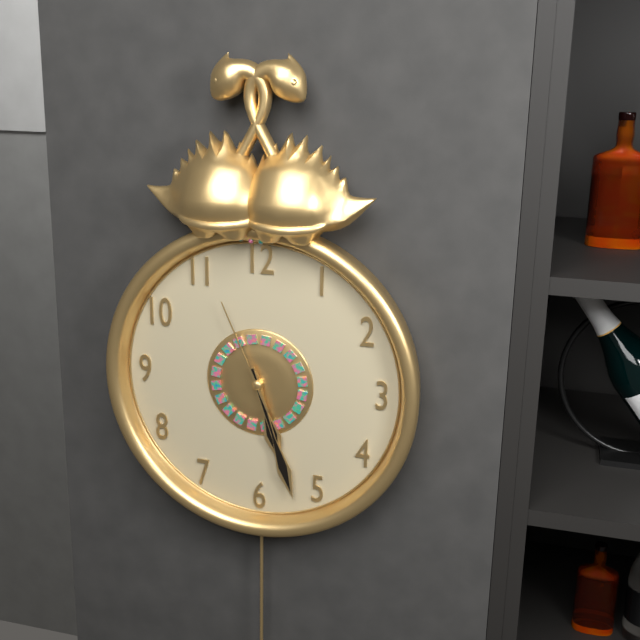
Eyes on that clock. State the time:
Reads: 5:27:56
